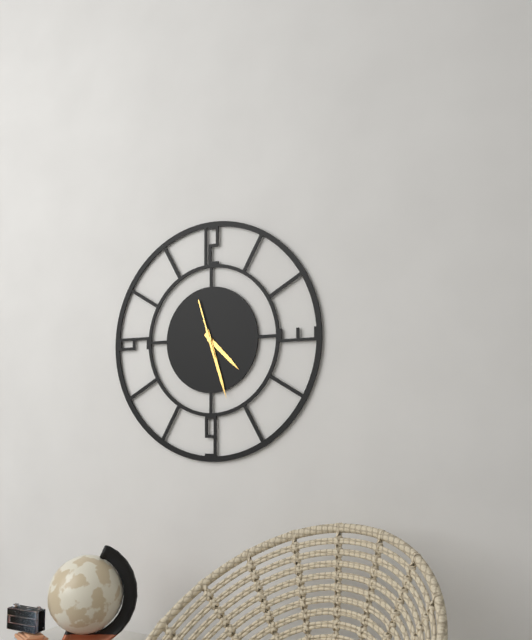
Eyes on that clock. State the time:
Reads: 4:27:57
